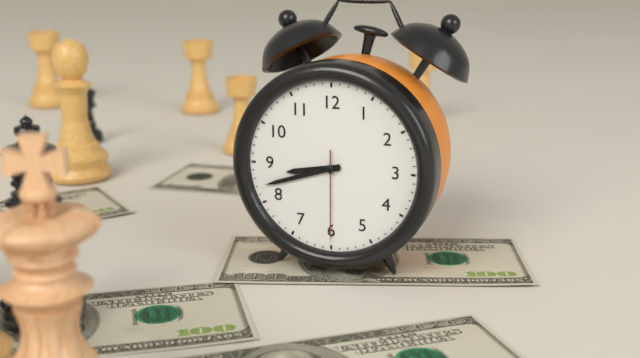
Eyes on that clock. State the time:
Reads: 8:42:30
